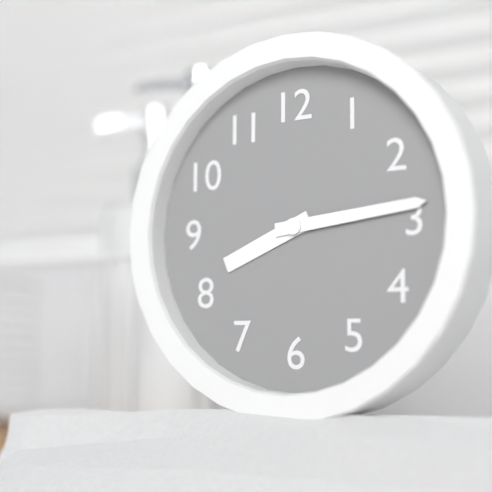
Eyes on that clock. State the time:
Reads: 8:14
